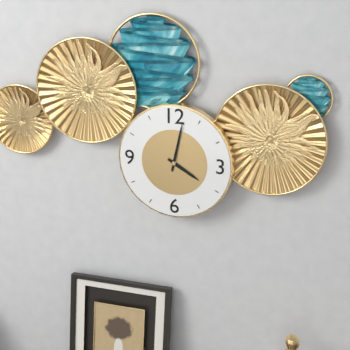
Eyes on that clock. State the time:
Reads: 4:02
